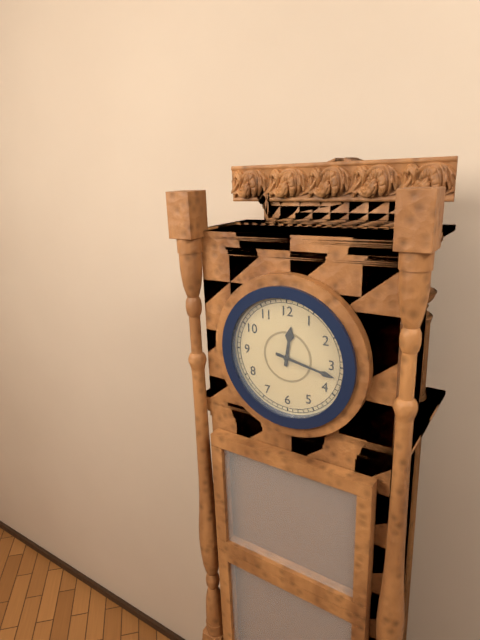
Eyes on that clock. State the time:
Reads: 12:17
